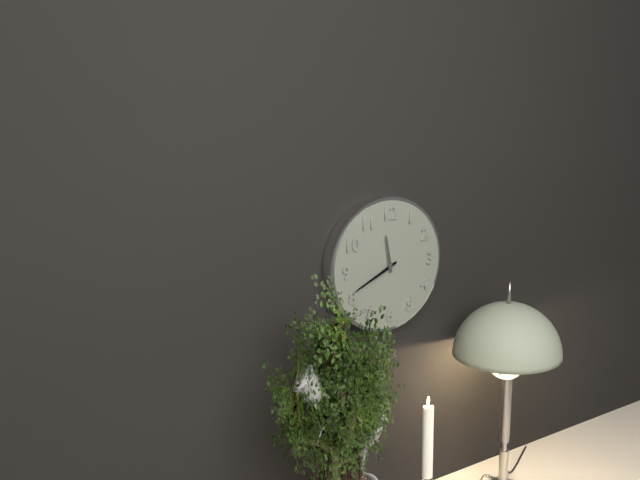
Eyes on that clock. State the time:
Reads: 11:41
